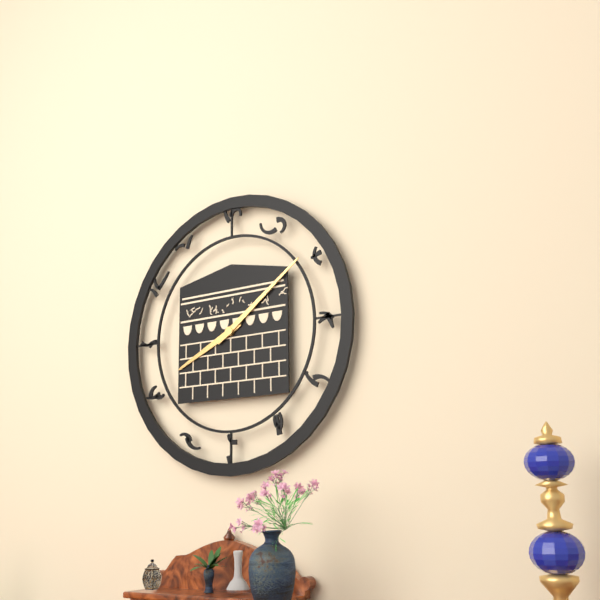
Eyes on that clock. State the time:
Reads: 8:09
